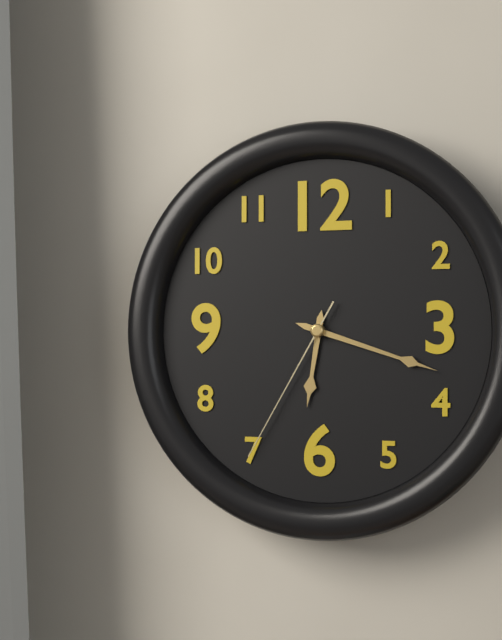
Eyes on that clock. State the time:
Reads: 6:18:35
